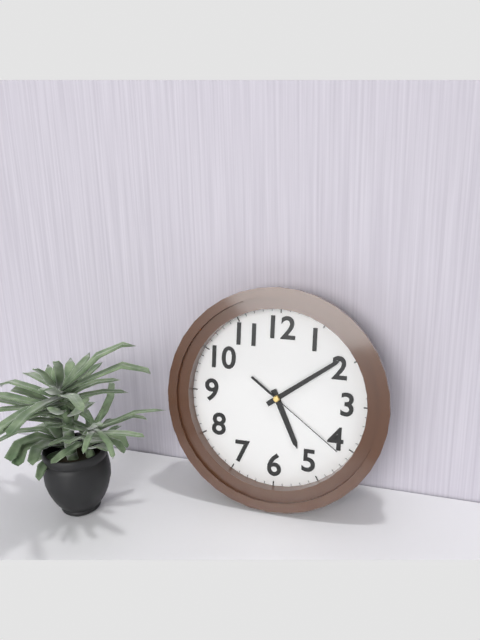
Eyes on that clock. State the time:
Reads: 5:09:21
